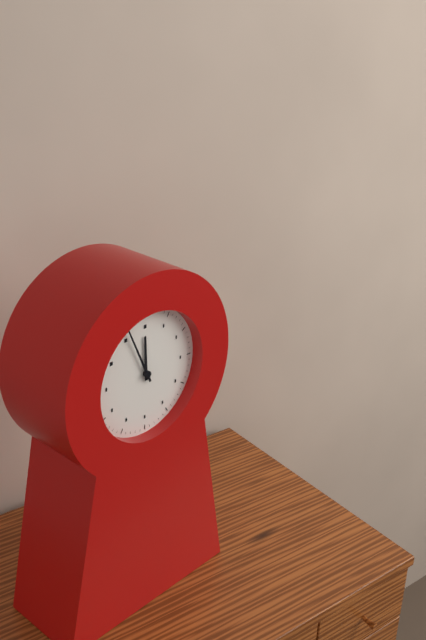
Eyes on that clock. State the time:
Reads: 11:56
